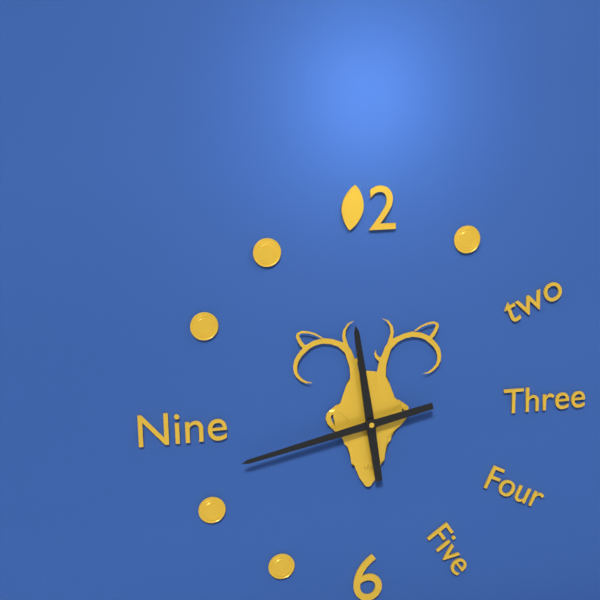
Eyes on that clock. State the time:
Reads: 11:43
